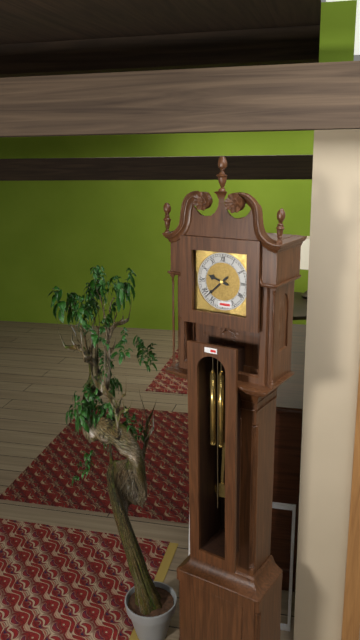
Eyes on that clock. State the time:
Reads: 9:38
